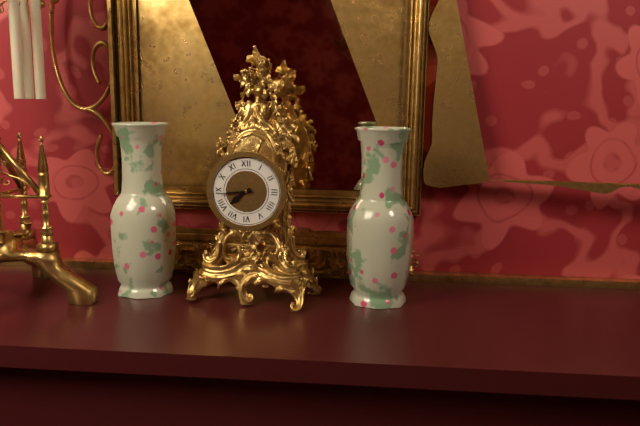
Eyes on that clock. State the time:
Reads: 7:44
